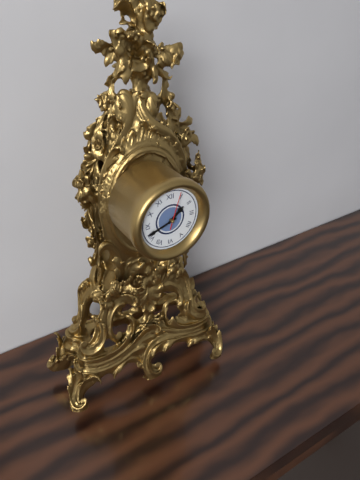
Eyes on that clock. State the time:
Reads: 1:42
